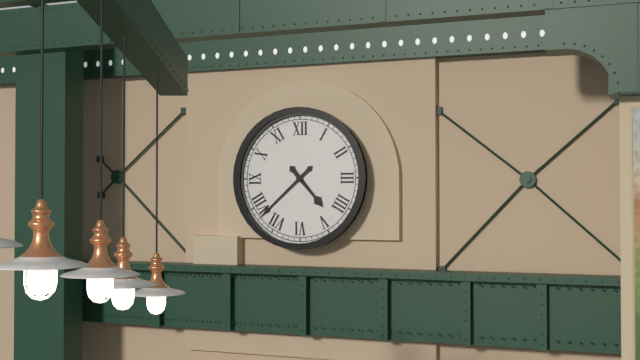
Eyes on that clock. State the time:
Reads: 4:38
